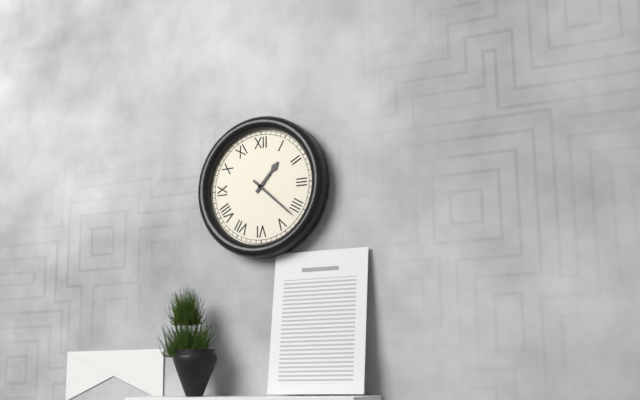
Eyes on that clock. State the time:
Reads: 1:22
